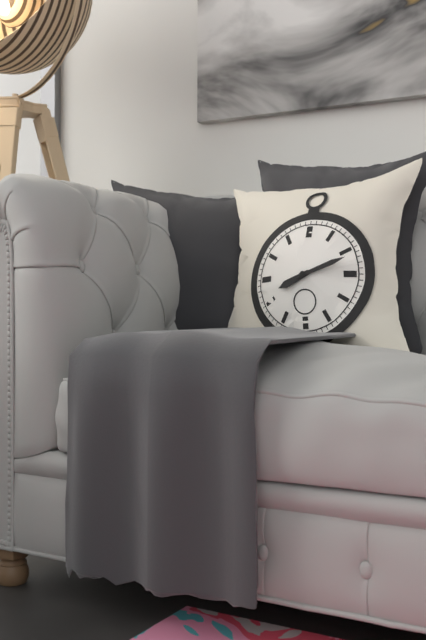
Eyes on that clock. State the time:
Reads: 8:12
